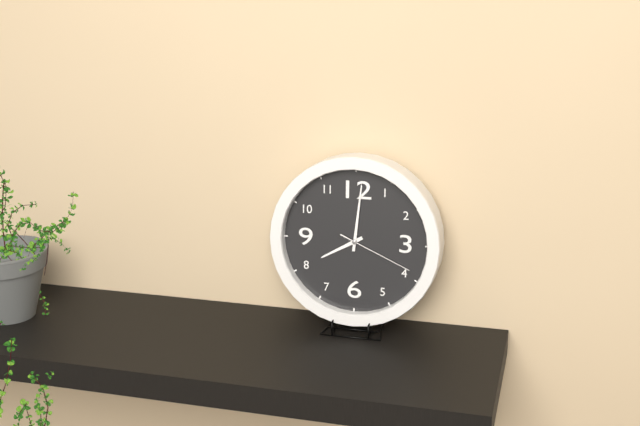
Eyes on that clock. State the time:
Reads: 8:01:19
